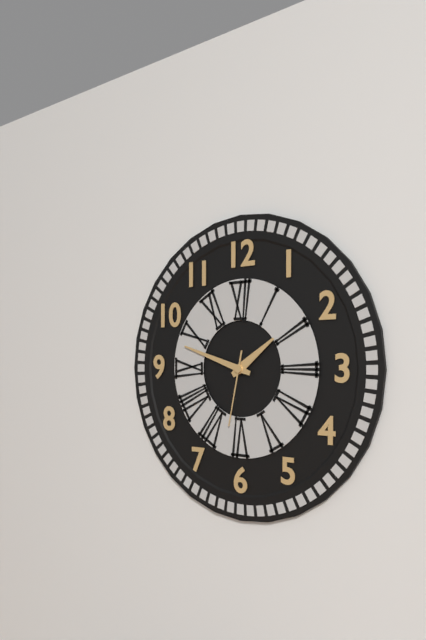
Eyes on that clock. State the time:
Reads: 1:48:32
